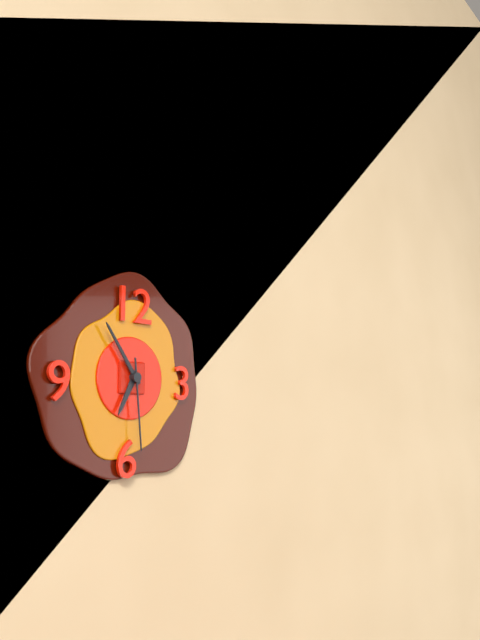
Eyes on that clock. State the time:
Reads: 6:54:29
